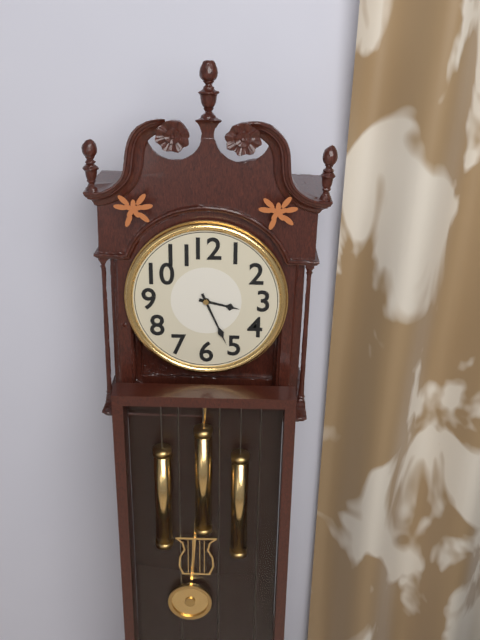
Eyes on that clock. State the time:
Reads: 3:26
